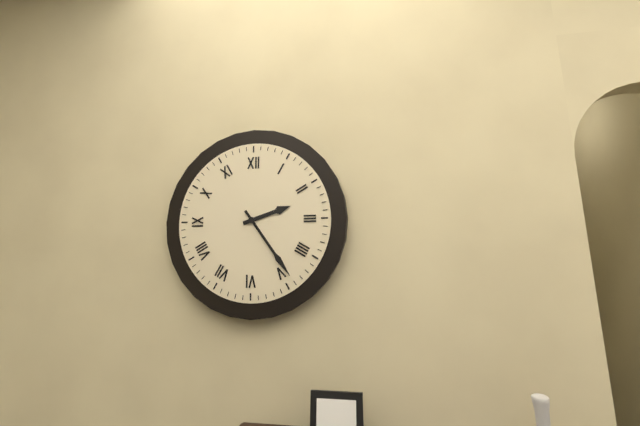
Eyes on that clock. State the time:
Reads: 2:24
